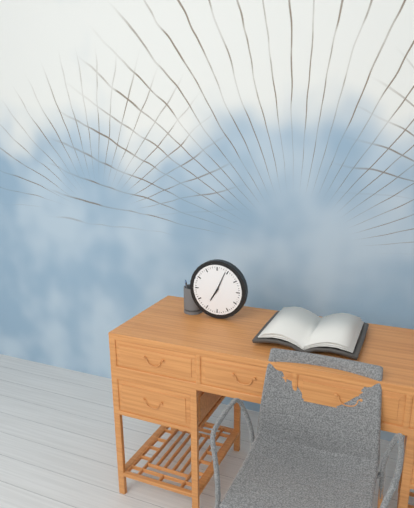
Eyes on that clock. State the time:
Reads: 7:04
